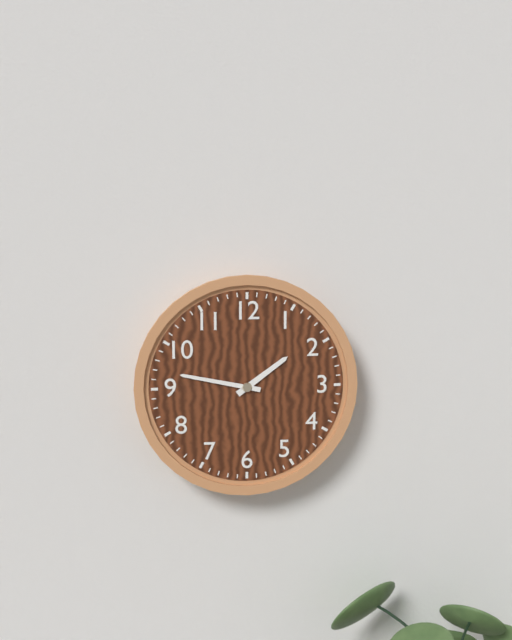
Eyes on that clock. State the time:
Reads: 1:47
